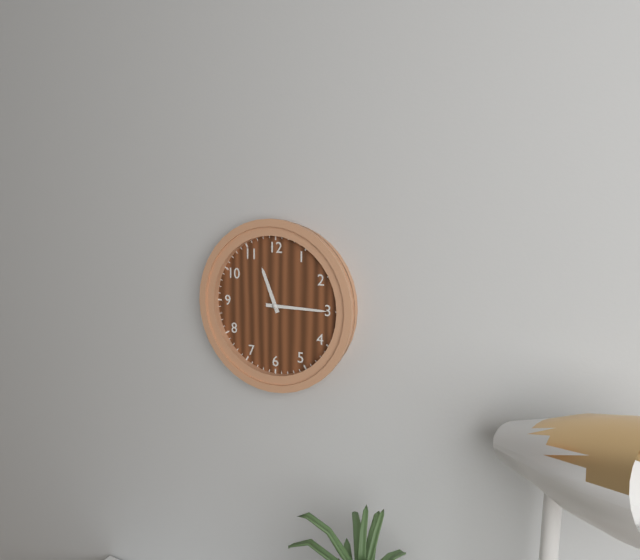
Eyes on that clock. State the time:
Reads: 11:15
